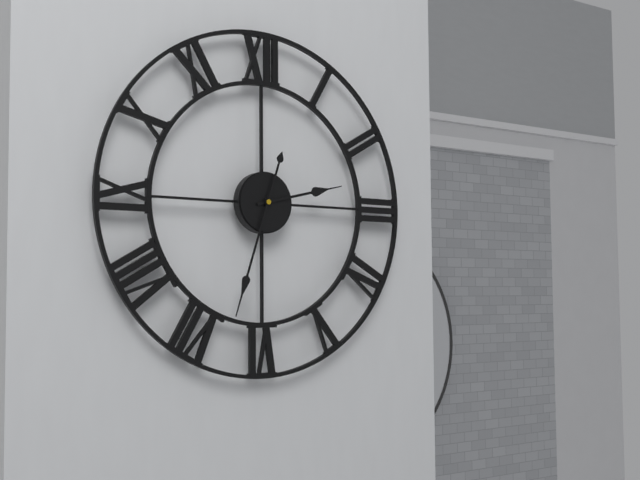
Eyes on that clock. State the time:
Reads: 2:33
